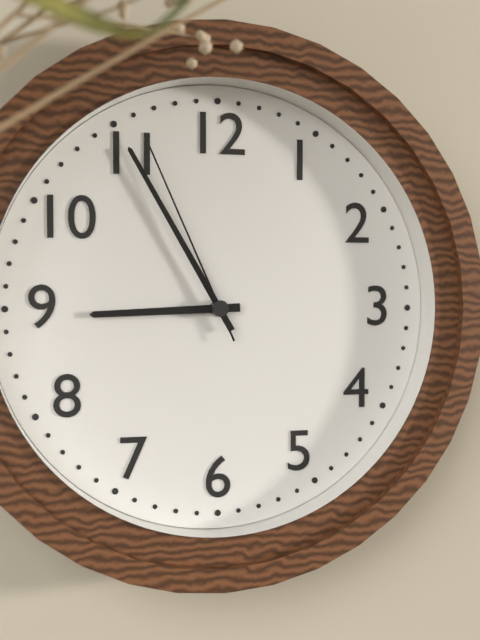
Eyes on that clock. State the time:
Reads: 8:55:56
